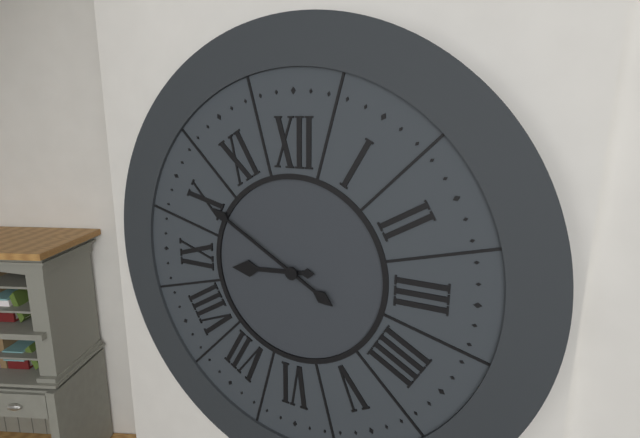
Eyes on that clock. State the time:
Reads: 8:50
